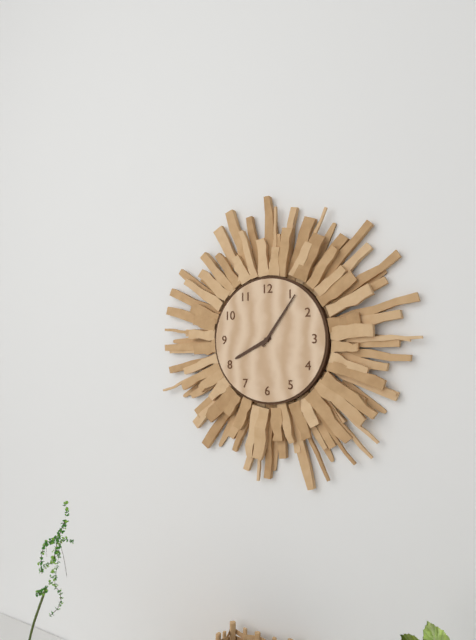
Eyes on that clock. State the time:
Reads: 8:06
